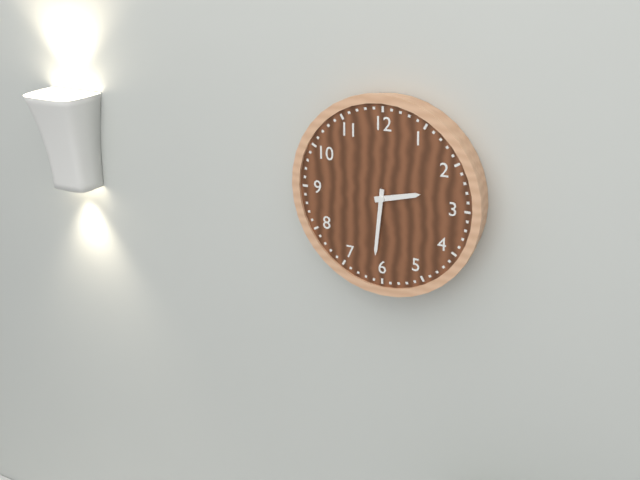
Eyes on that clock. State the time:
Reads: 2:31
